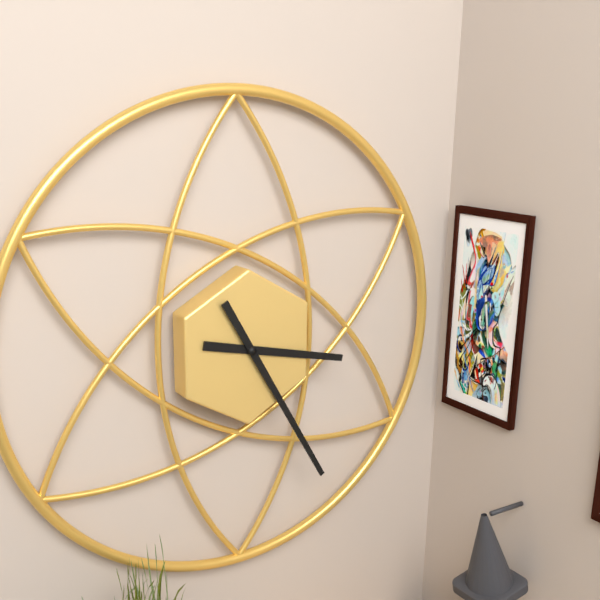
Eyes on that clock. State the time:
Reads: 3:25
